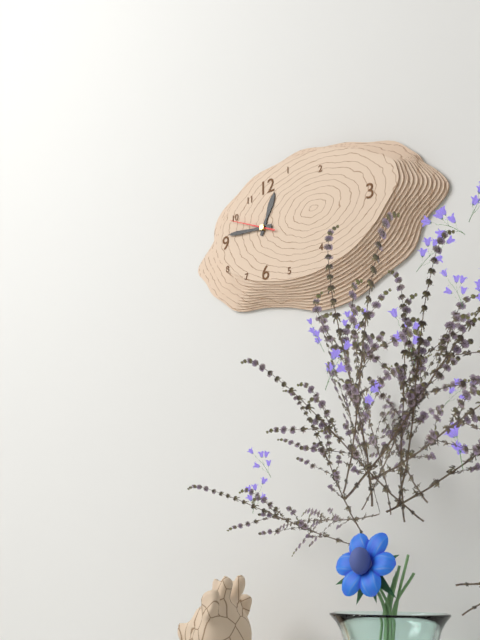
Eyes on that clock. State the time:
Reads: 12:46
